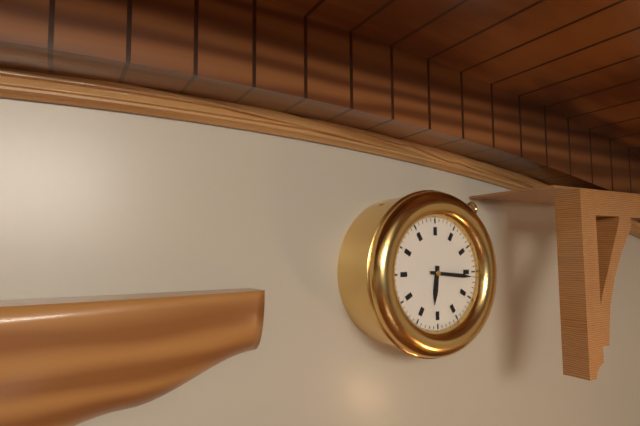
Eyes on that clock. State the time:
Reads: 6:16
